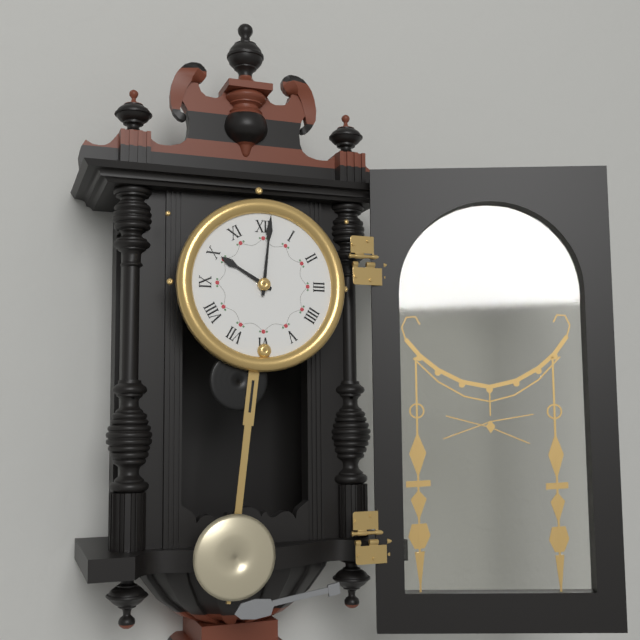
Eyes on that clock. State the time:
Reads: 10:01
